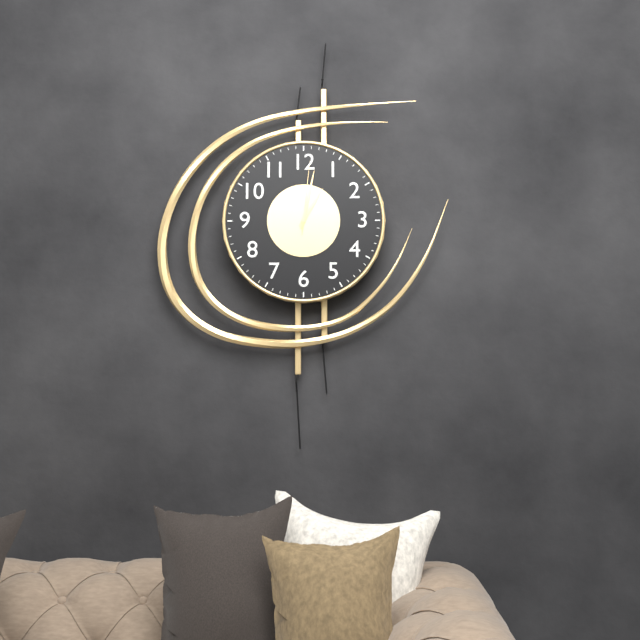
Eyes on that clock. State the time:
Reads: 1:02:01
